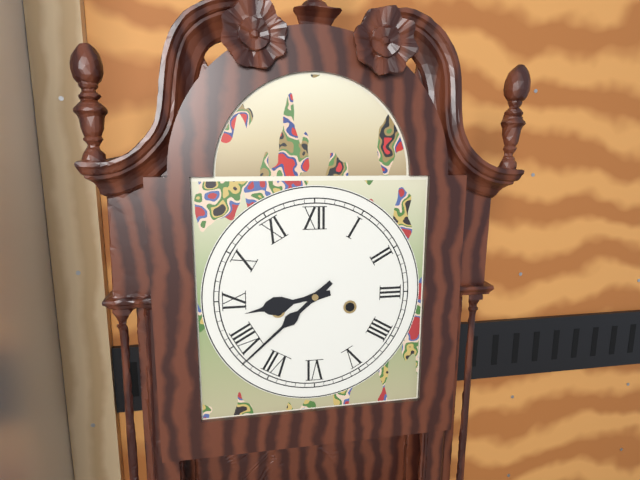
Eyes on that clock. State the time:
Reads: 8:38
